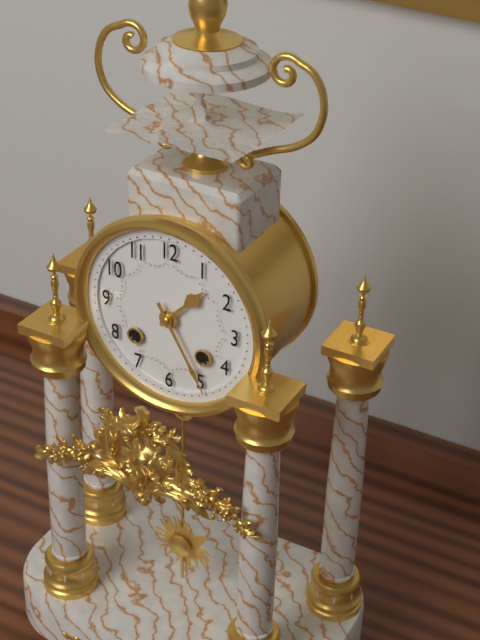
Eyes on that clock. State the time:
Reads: 1:25
